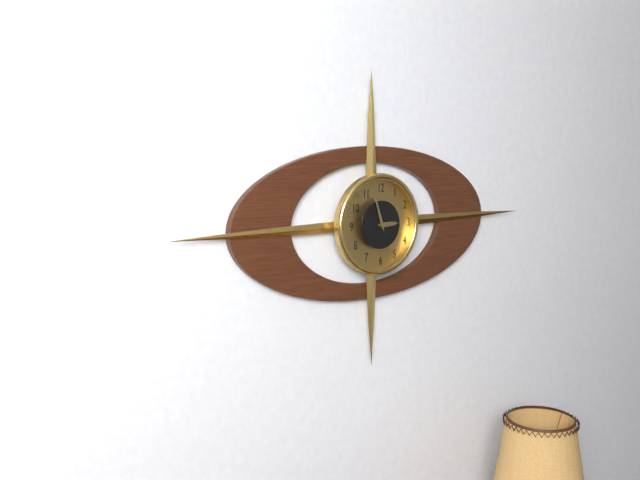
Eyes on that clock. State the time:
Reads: 2:57
